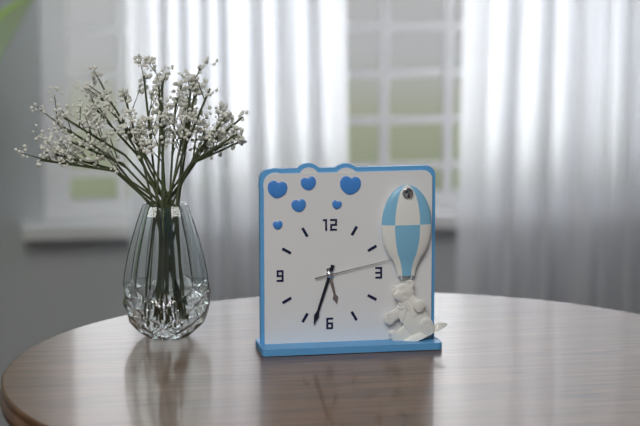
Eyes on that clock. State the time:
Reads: 5:33:13
